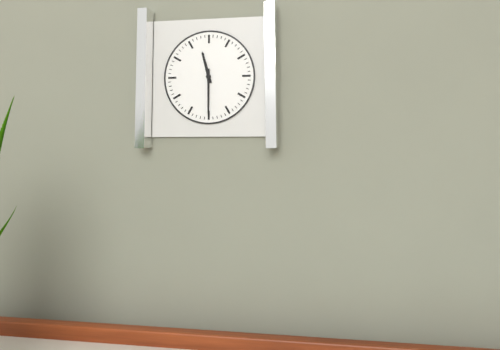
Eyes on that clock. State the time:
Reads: 11:30
